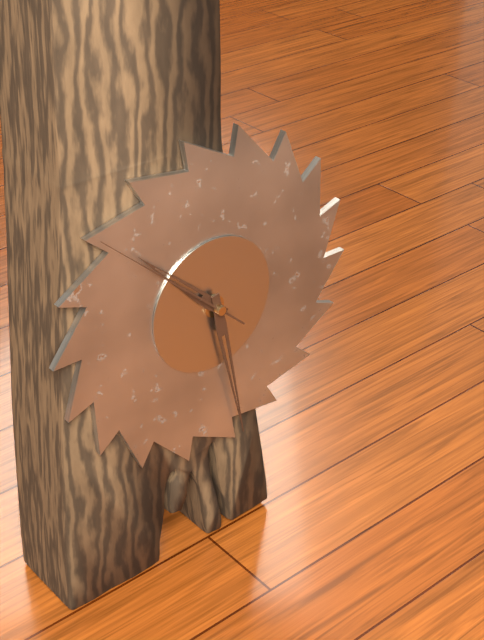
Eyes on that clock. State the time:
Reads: 10:28:52
